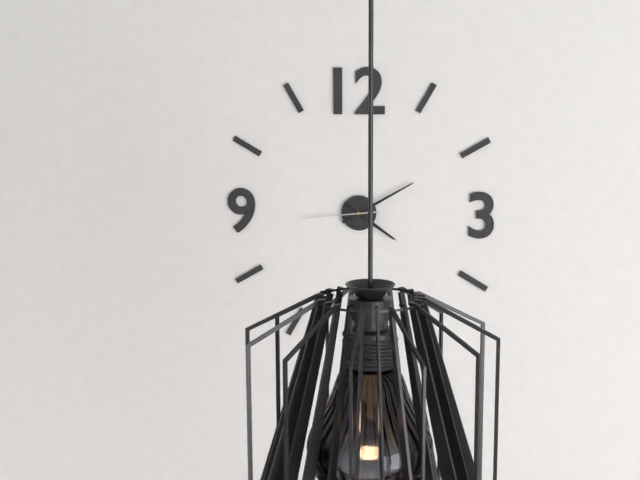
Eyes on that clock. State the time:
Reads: 4:10:44
